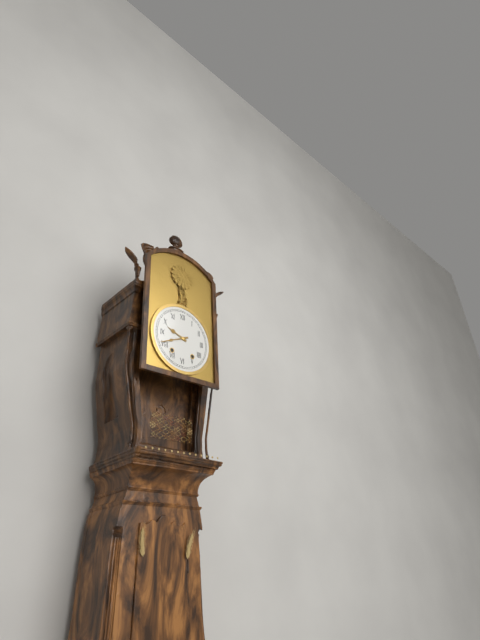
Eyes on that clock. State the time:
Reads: 9:41
